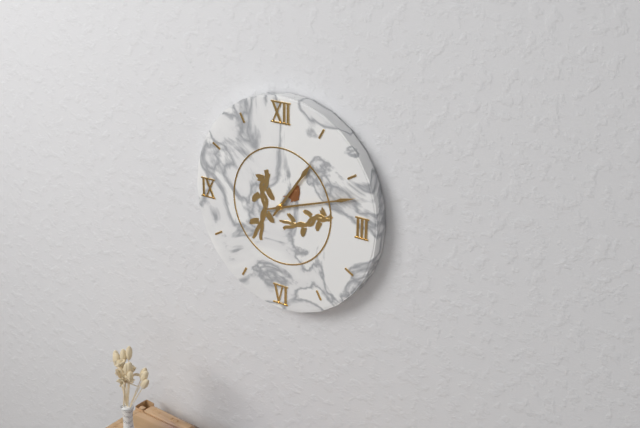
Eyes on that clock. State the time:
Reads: 1:12
